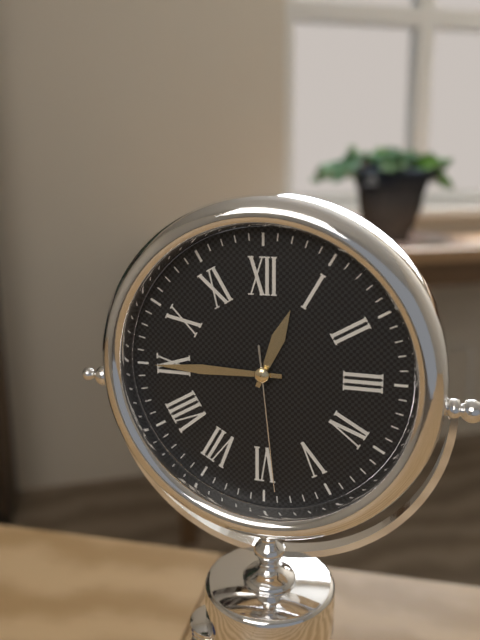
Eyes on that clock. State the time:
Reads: 12:45:29
